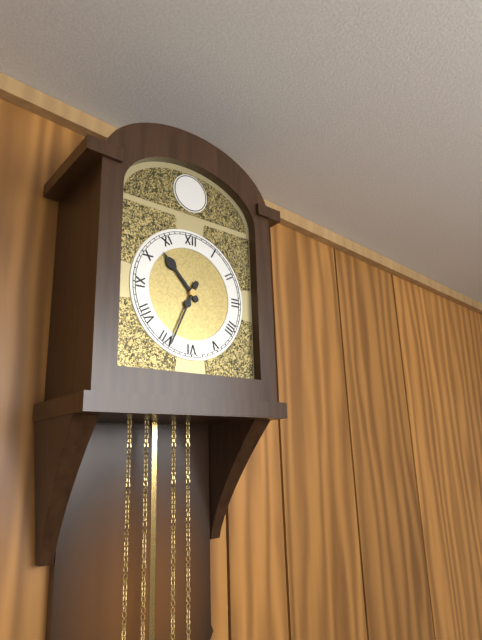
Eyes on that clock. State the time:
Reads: 10:34
